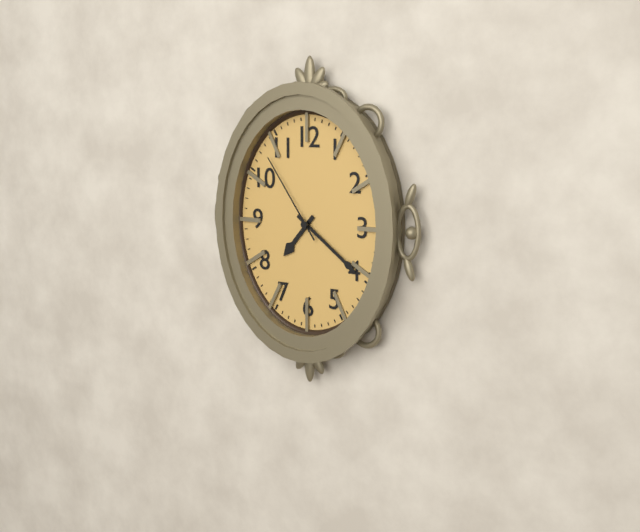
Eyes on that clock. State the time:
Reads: 7:21:54
